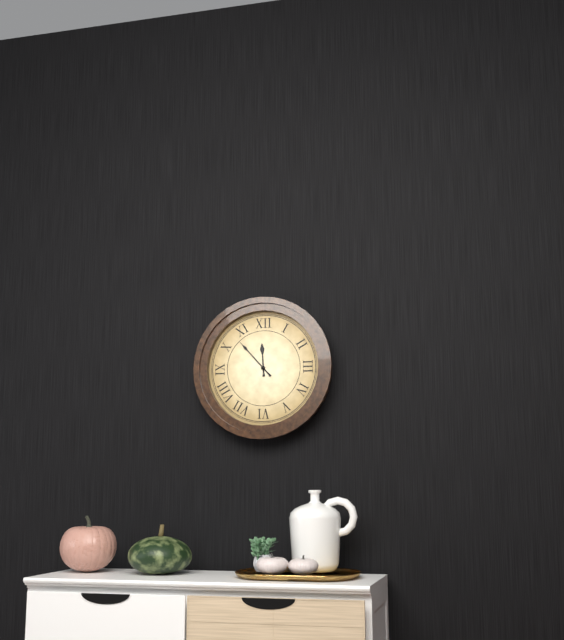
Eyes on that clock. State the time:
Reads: 11:53
